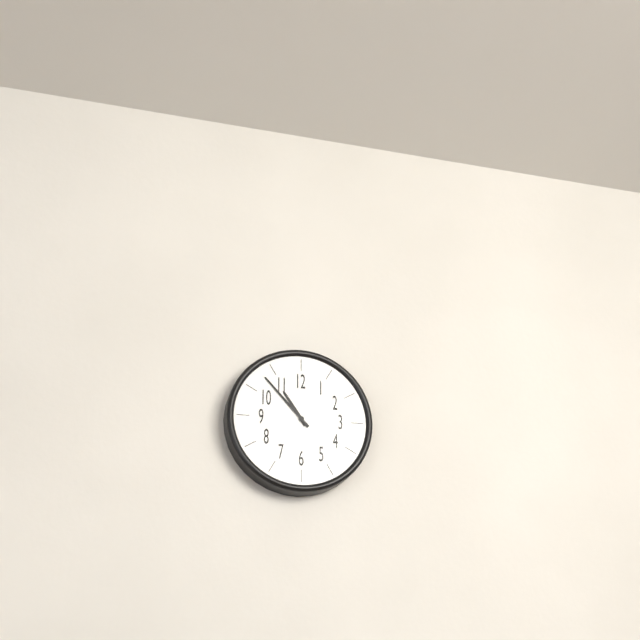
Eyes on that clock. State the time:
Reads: 10:53
